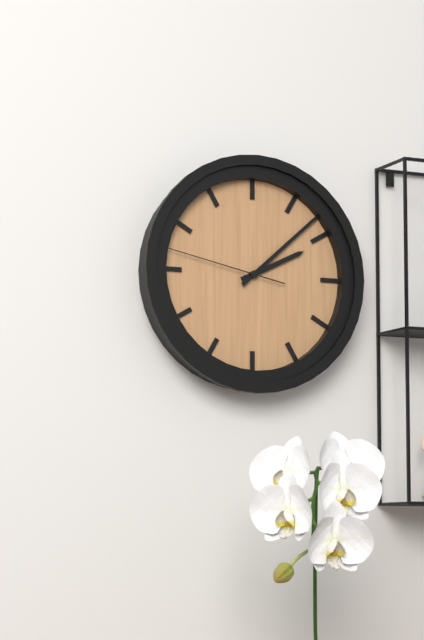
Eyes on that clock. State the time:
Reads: 2:08:47
